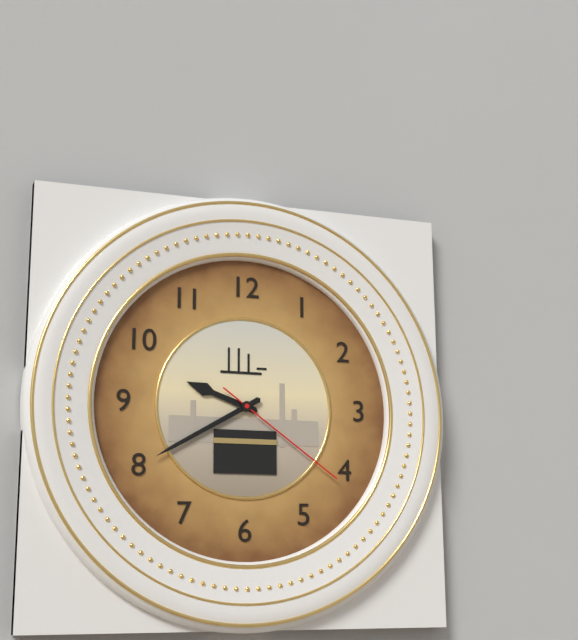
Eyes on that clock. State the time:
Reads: 9:40:21
